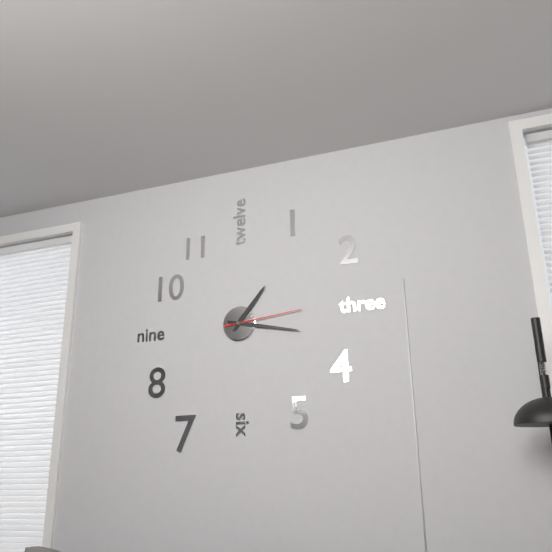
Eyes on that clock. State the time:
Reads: 1:17:14
